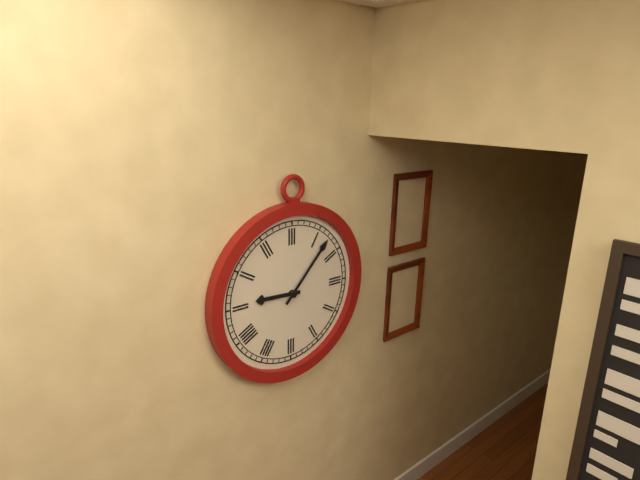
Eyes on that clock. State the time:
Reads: 9:07
